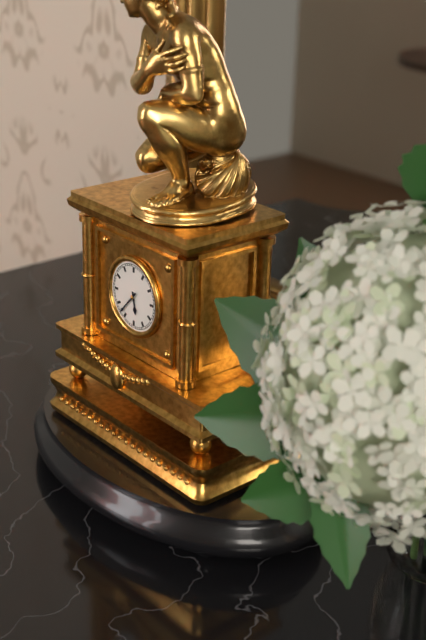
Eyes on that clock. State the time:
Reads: 5:37
